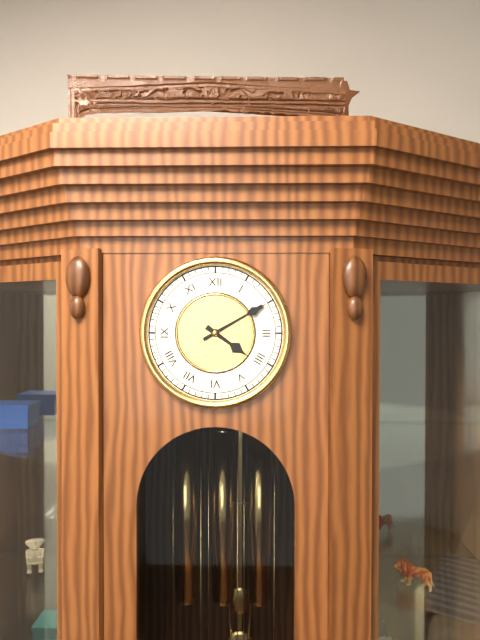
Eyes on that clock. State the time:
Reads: 4:10
